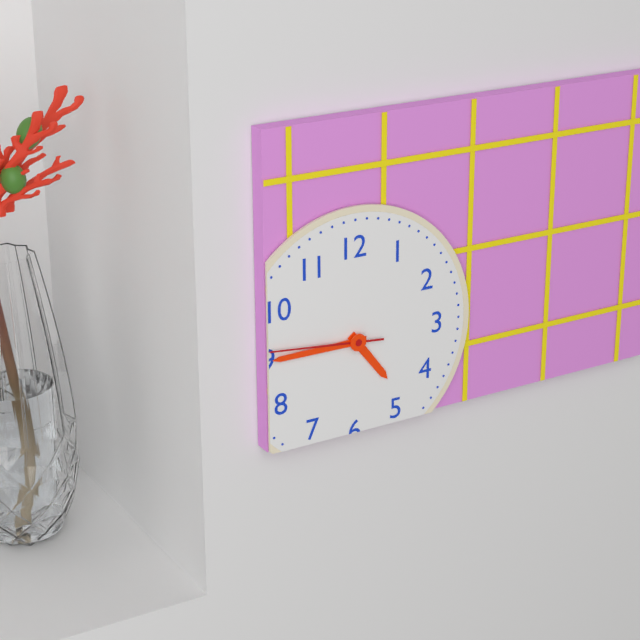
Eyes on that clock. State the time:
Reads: 4:45:46
